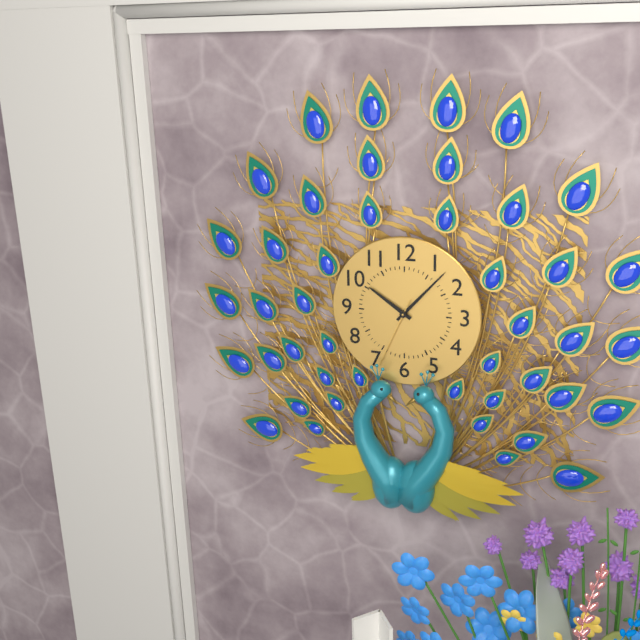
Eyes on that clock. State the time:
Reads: 10:07:34
